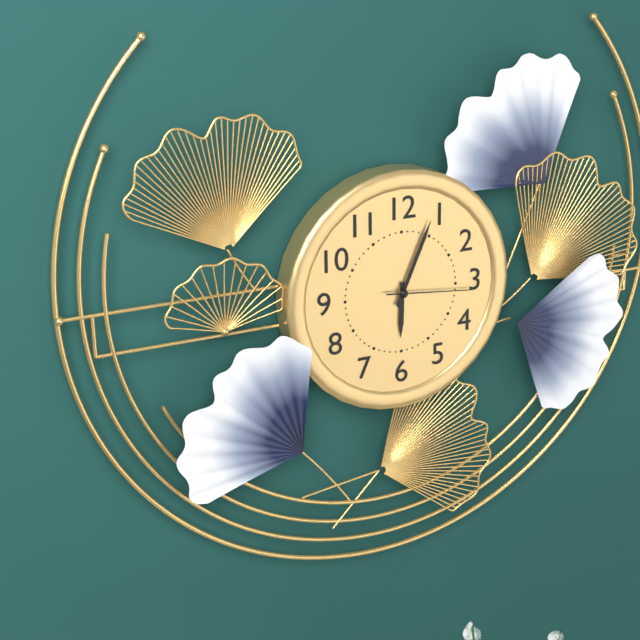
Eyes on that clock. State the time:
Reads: 6:04:16
